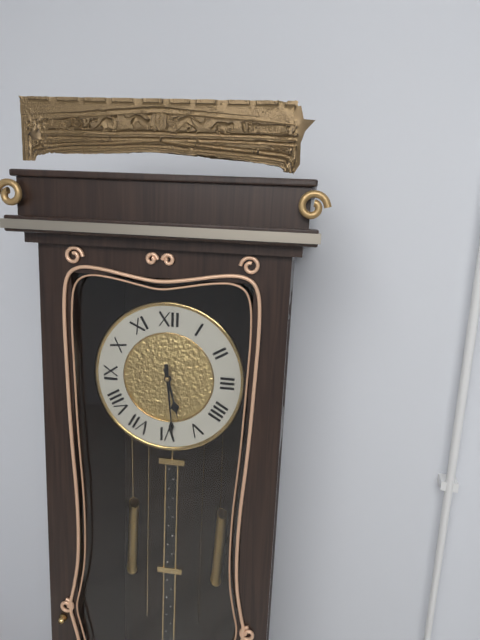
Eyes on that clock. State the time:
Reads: 5:29
